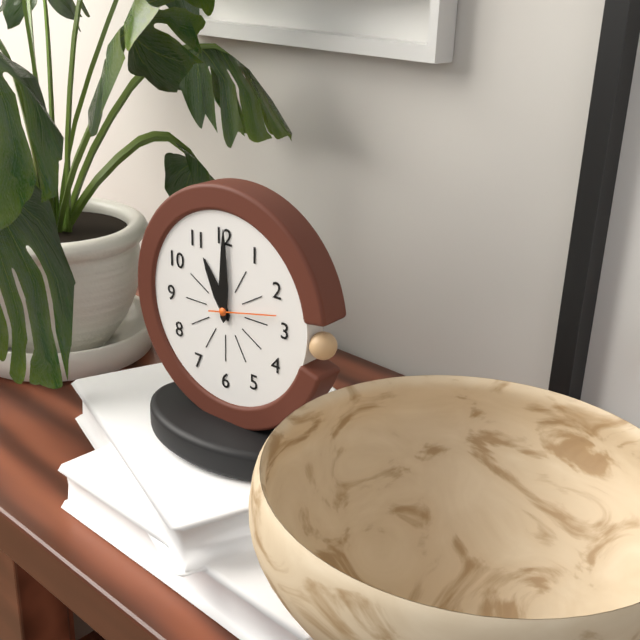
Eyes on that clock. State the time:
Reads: 11:00:13
